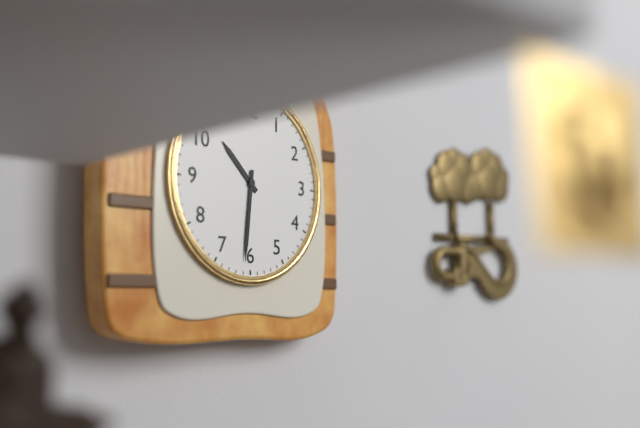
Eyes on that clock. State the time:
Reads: 10:31
